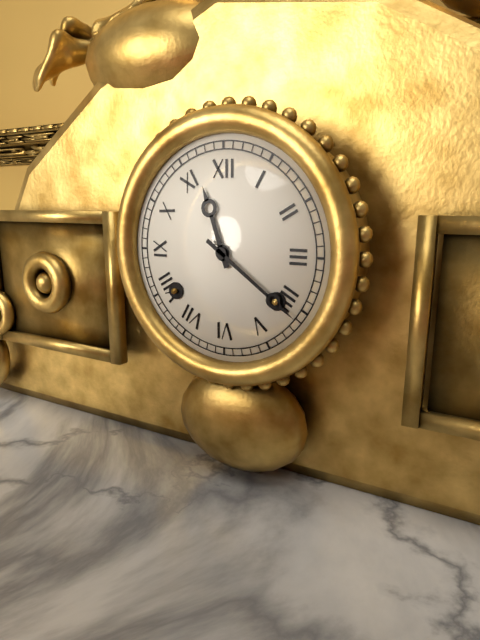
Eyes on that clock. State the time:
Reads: 11:21
